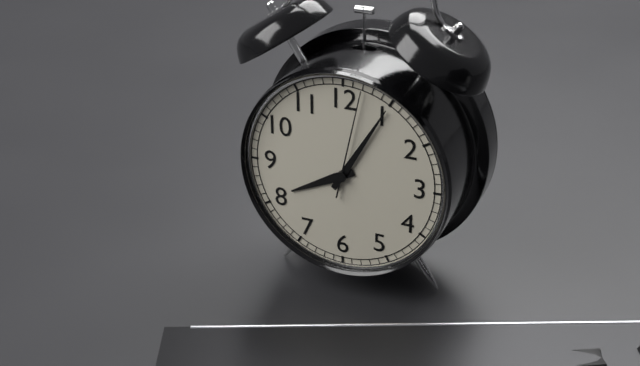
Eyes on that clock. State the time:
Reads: 8:05:02
